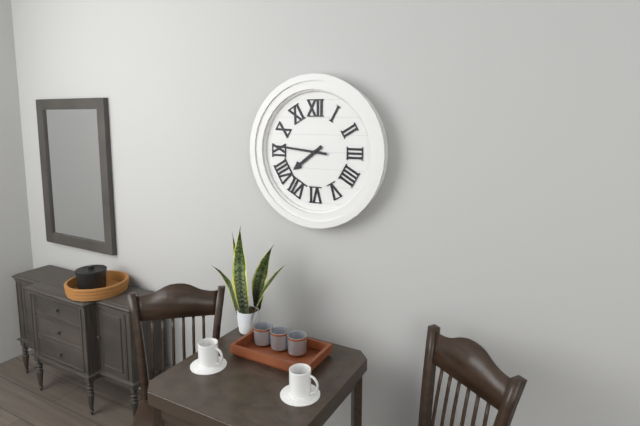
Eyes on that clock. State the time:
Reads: 7:46
